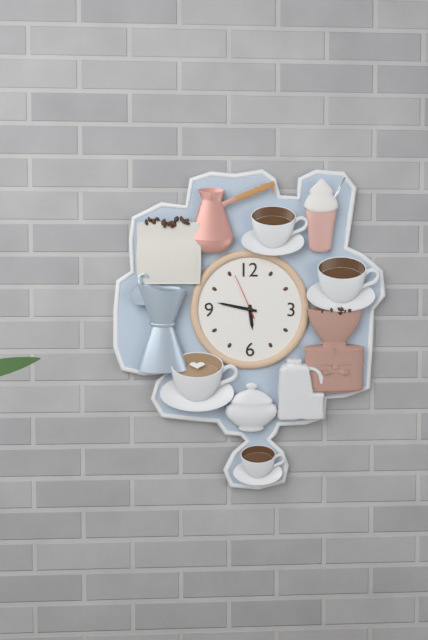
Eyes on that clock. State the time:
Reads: 5:47
